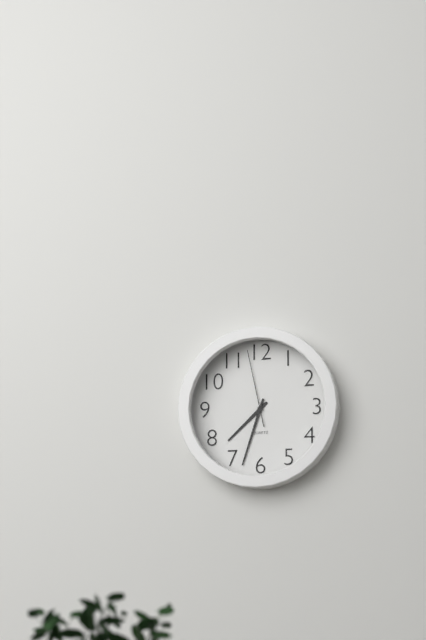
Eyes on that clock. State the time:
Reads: 7:33:58
